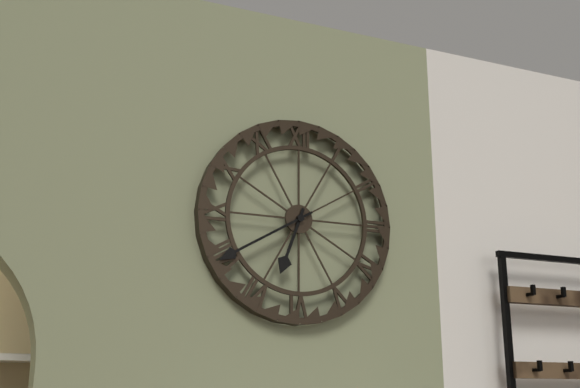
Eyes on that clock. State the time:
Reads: 6:40
